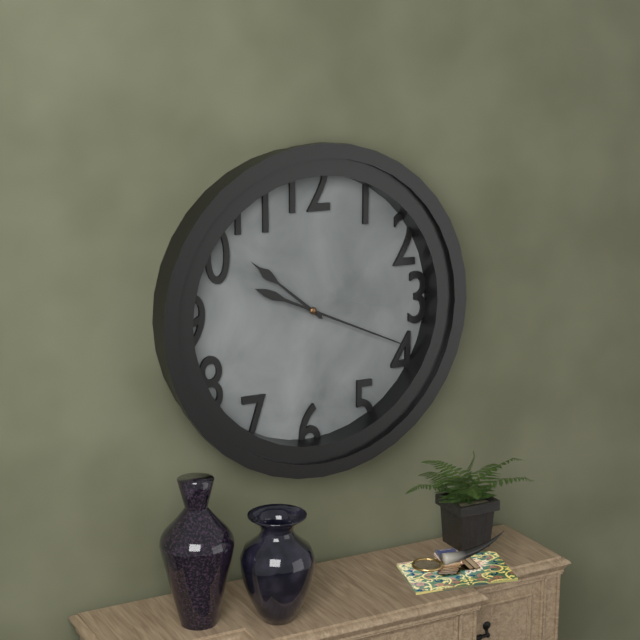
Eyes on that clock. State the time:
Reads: 10:19
